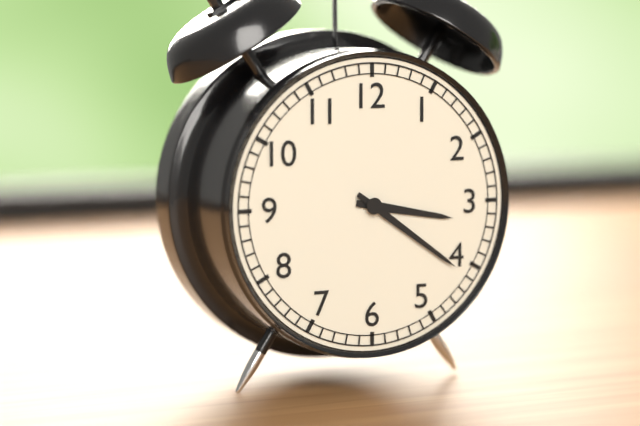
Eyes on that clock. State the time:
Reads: 3:21
